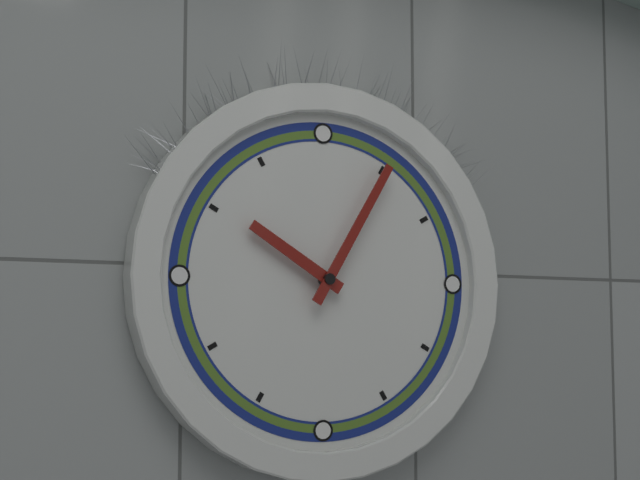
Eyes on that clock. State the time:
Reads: 10:05
